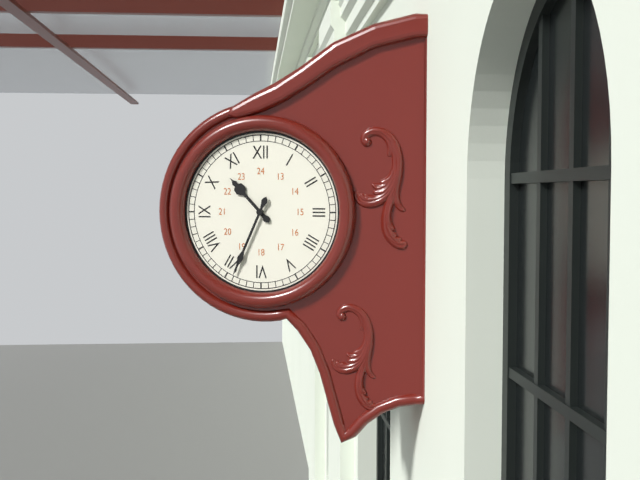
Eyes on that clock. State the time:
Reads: 10:34
